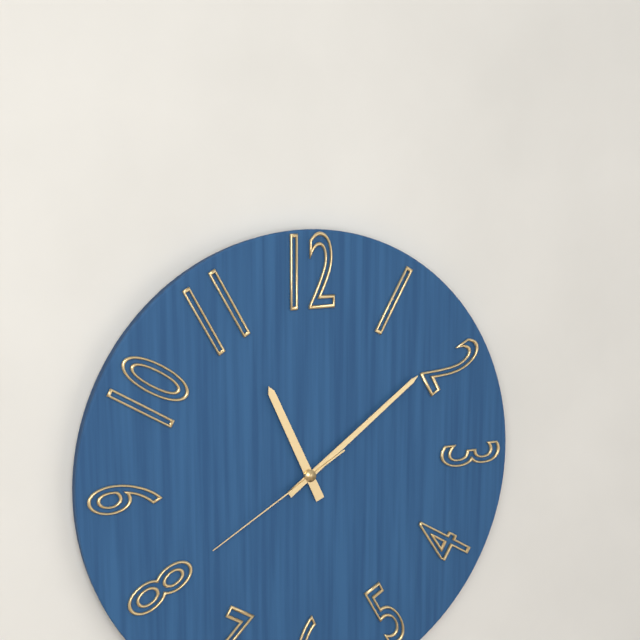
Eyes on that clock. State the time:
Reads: 11:09:40
